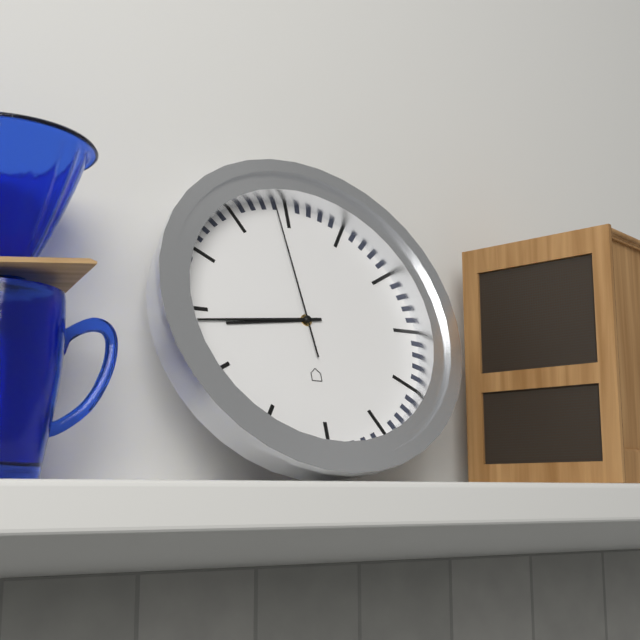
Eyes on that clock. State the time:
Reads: 8:44:59
